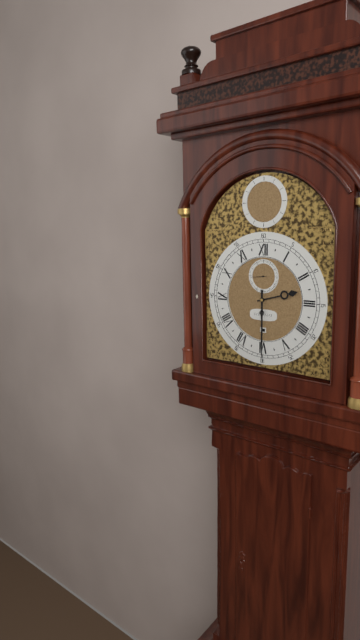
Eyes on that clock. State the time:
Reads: 2:30
